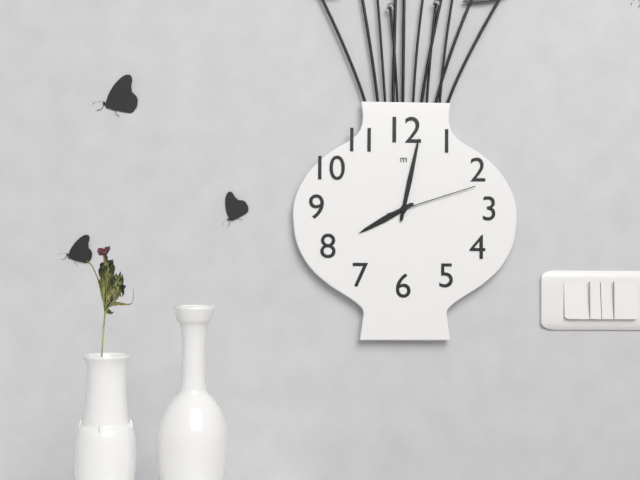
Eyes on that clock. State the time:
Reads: 8:02:12
